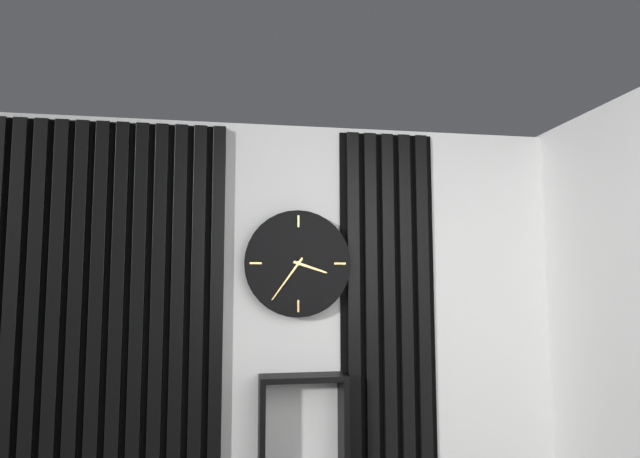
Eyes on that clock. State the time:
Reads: 3:36
